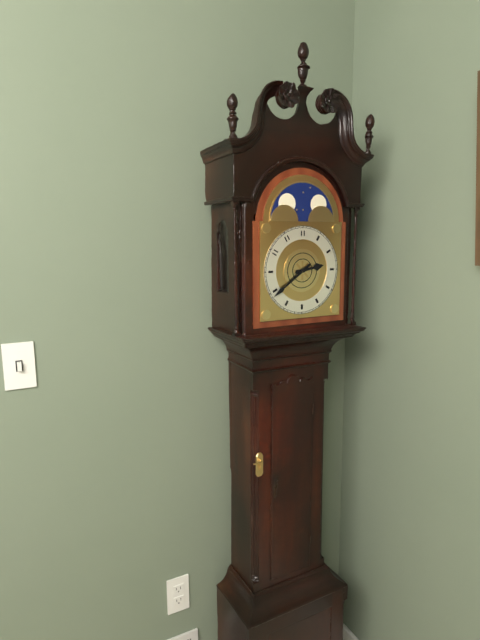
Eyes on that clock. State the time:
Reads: 2:39
